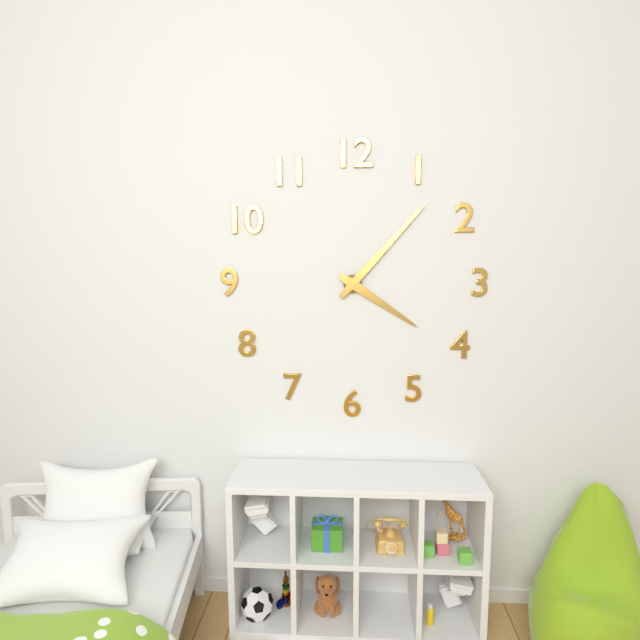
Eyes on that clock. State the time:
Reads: 4:07
